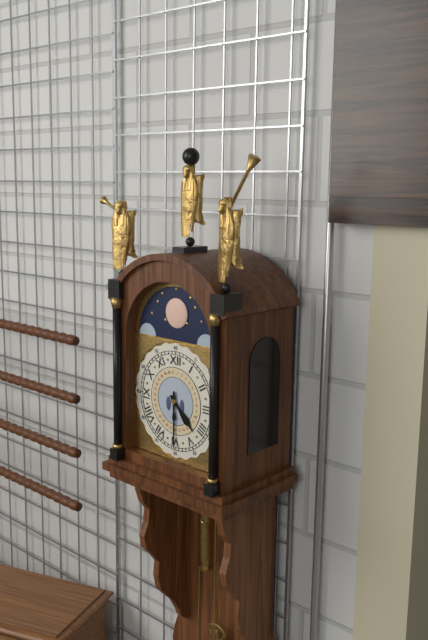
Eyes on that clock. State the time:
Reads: 4:30
